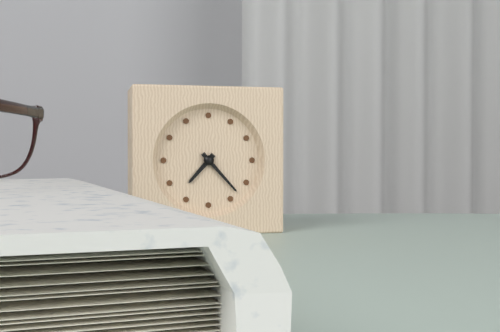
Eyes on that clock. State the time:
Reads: 7:23
